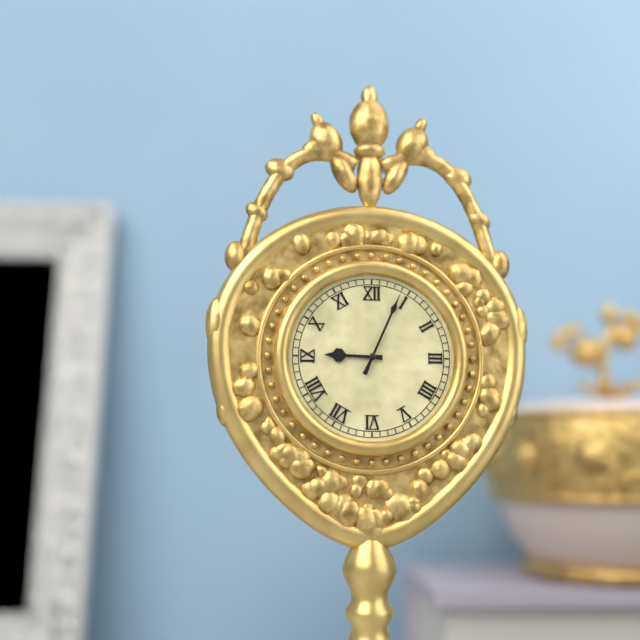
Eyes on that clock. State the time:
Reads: 9:04
